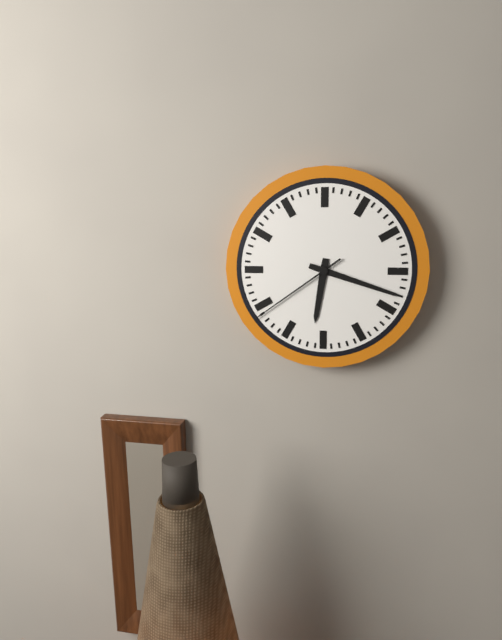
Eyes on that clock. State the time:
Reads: 6:18:39
